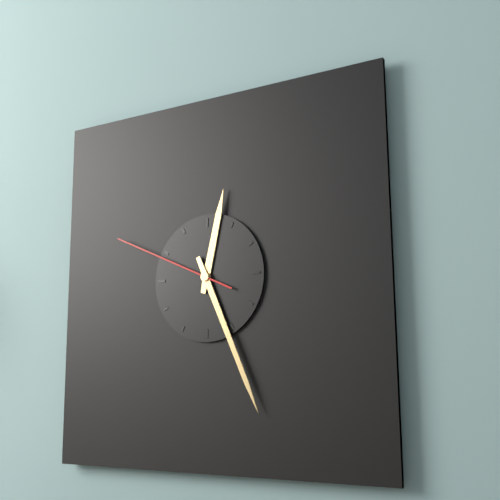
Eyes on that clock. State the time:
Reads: 12:26:49
